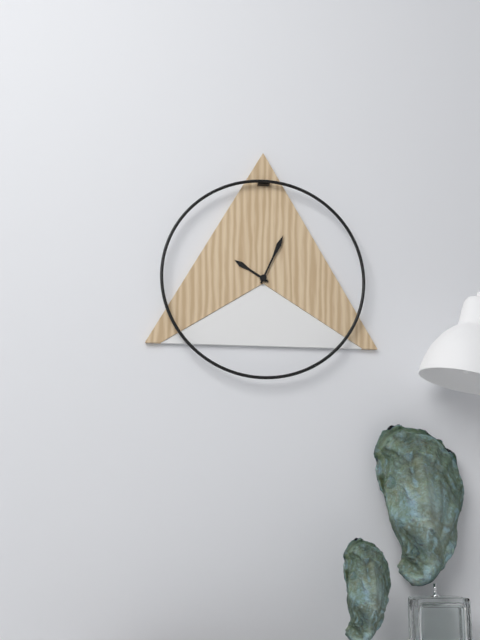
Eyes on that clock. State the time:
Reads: 10:04
